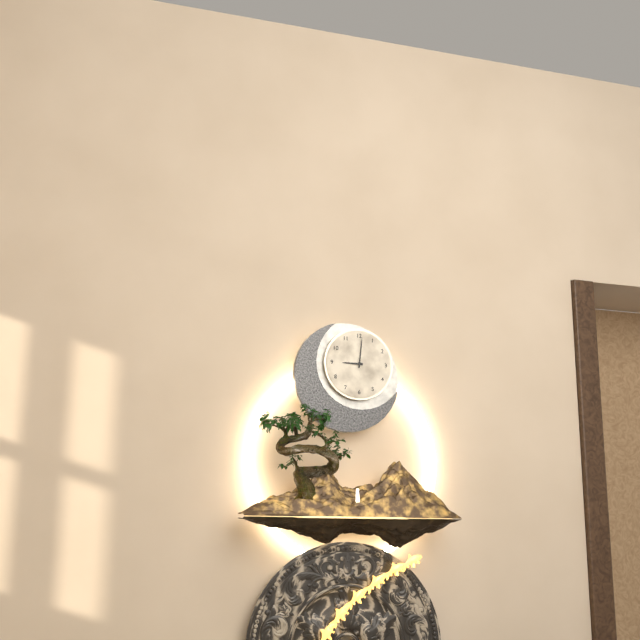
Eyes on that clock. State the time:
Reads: 9:01
